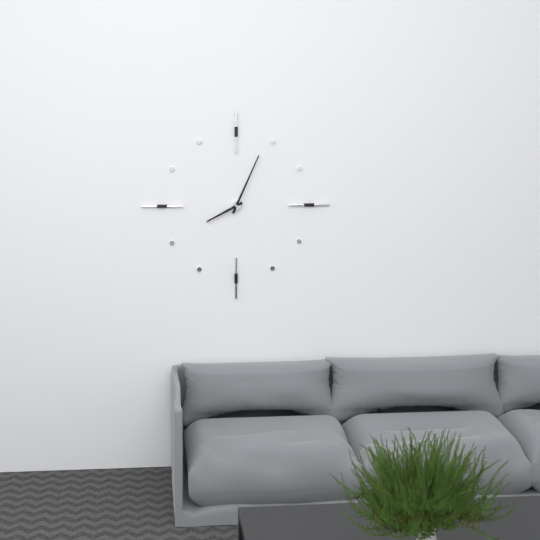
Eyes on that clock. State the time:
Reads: 8:04
